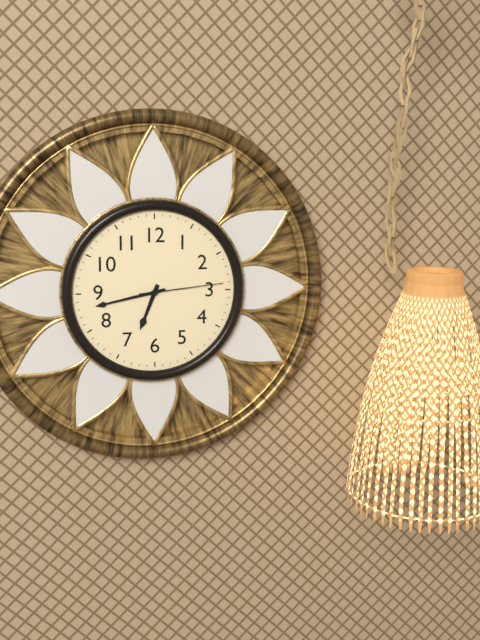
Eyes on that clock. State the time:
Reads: 6:43:14
